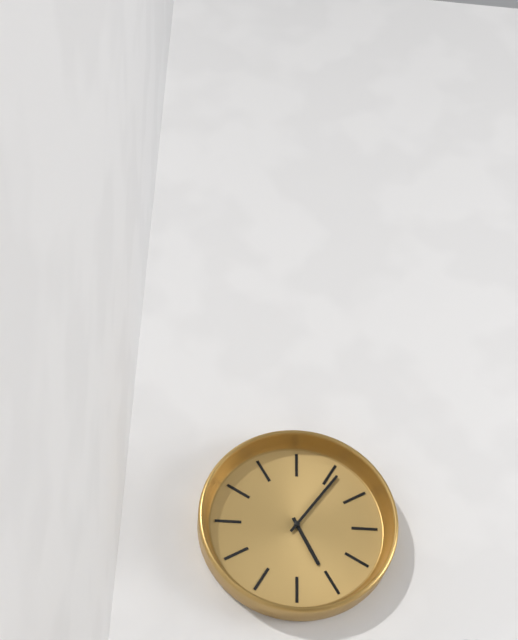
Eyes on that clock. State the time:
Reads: 5:06
